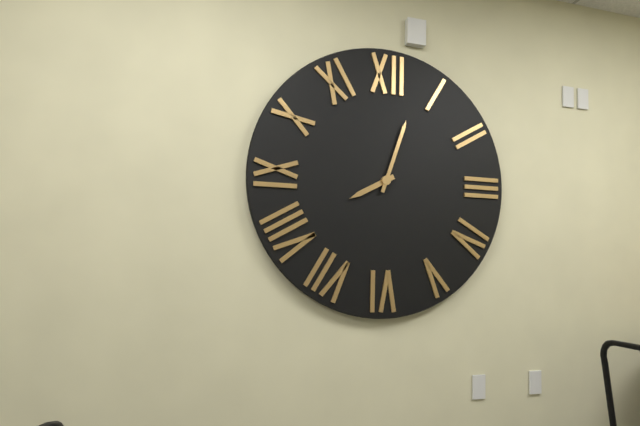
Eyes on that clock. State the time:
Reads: 8:03
